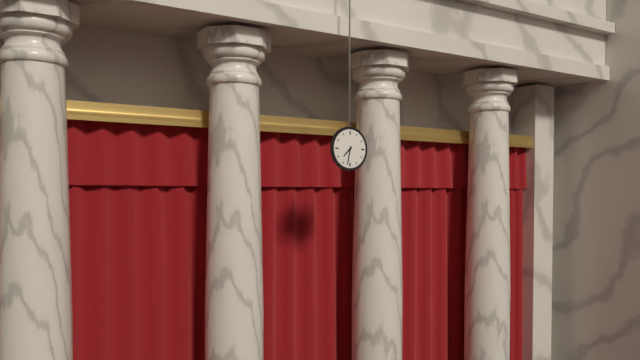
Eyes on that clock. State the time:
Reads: 7:32
